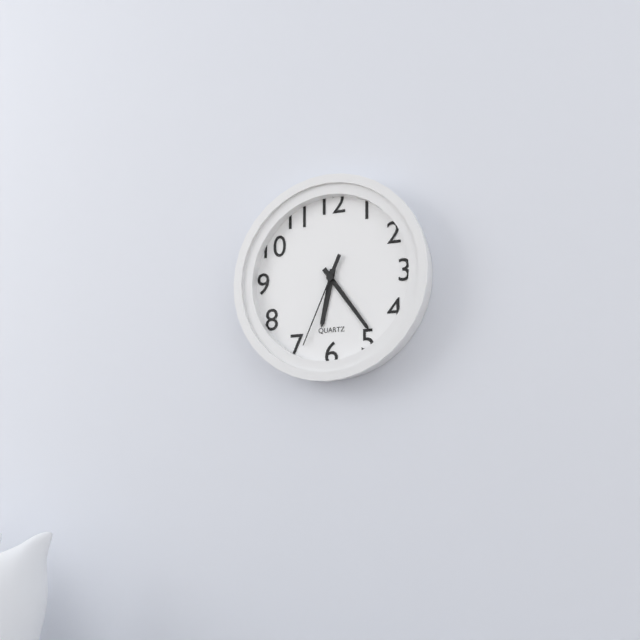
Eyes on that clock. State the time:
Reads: 6:24:34
